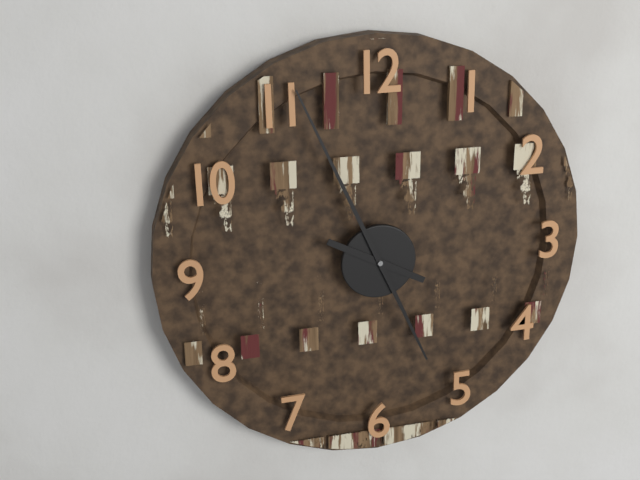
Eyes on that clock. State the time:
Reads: 9:56
